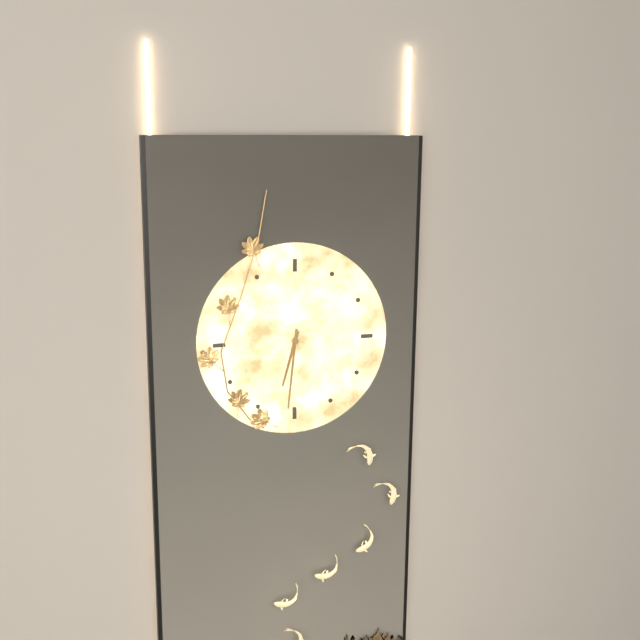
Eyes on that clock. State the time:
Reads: 6:31
